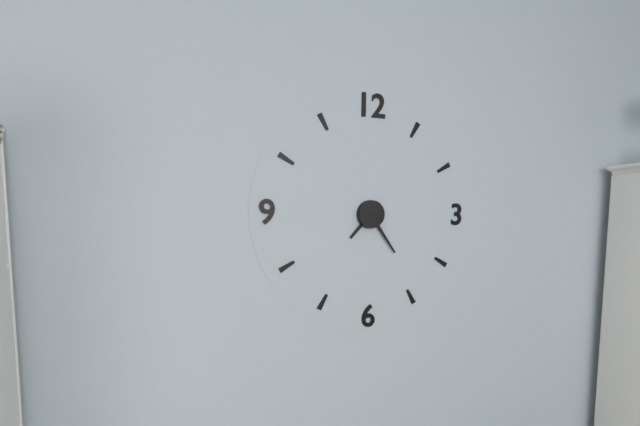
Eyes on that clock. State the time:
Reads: 7:24
